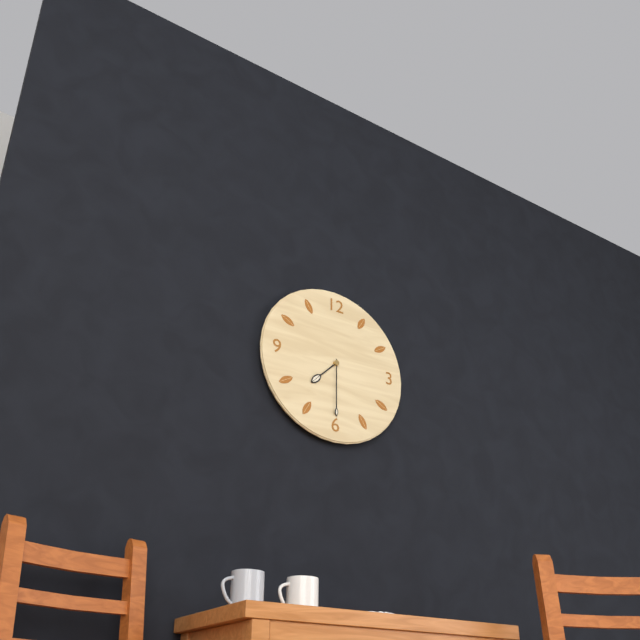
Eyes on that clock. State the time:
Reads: 7:30
